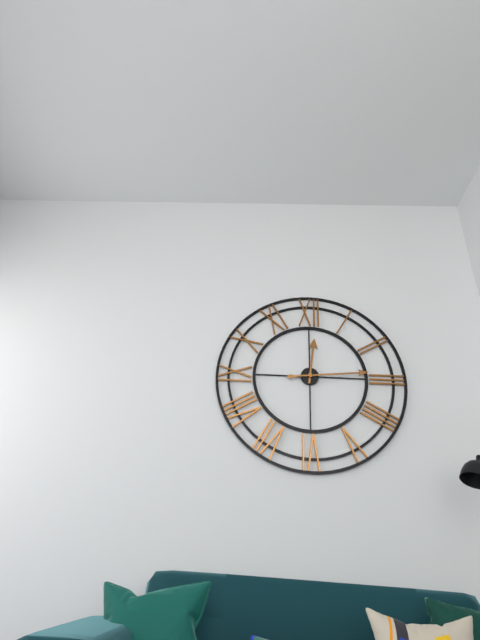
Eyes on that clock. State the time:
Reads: 12:14
